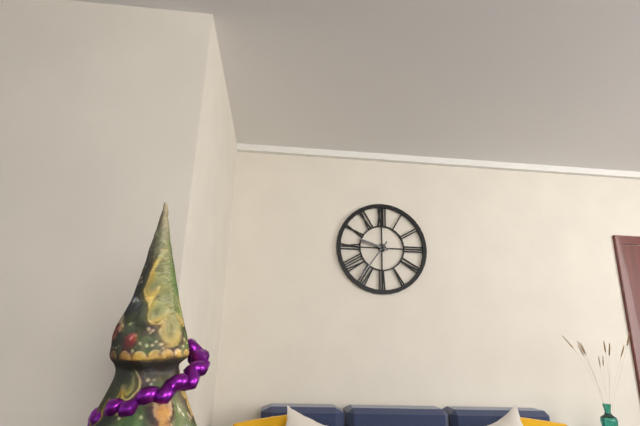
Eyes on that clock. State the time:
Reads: 9:36
